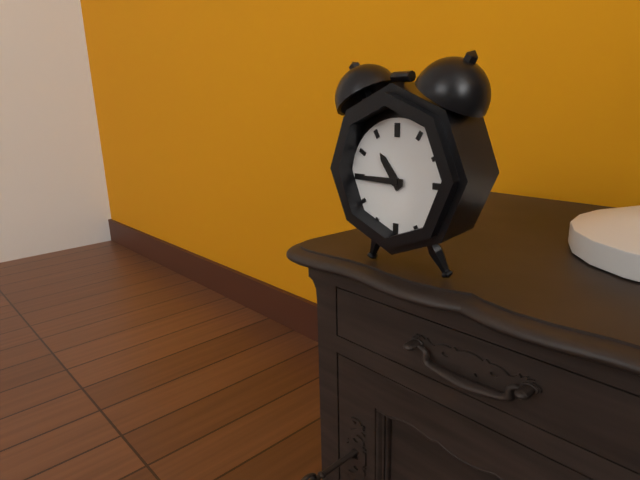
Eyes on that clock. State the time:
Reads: 10:45
